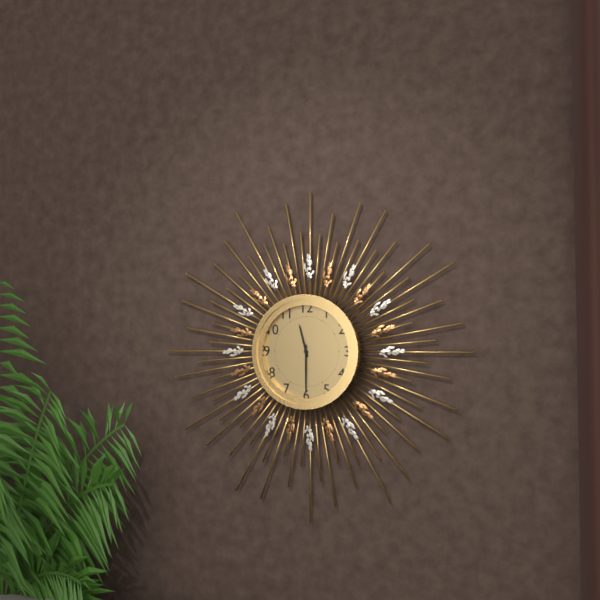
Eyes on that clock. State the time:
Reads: 11:30
